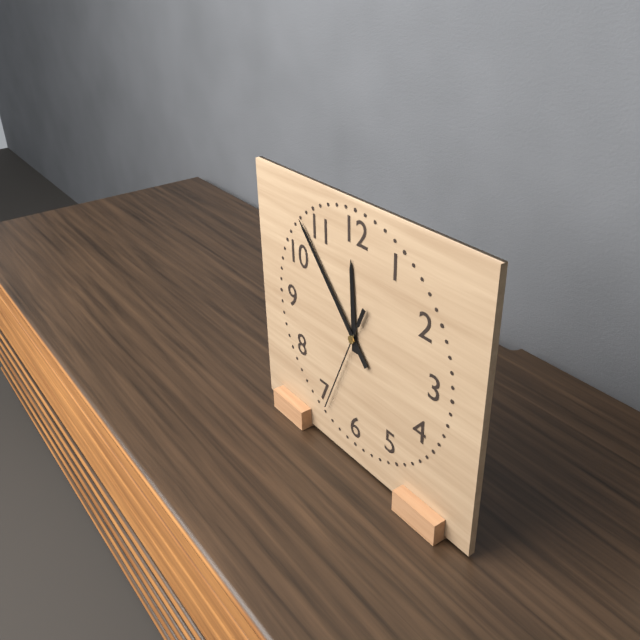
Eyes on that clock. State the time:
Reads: 11:53:34
